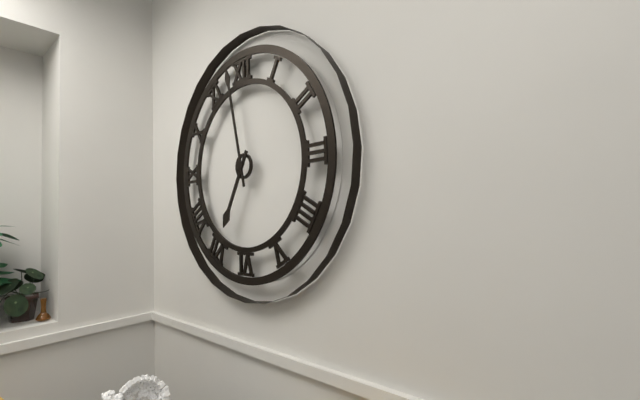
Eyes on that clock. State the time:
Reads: 6:58
